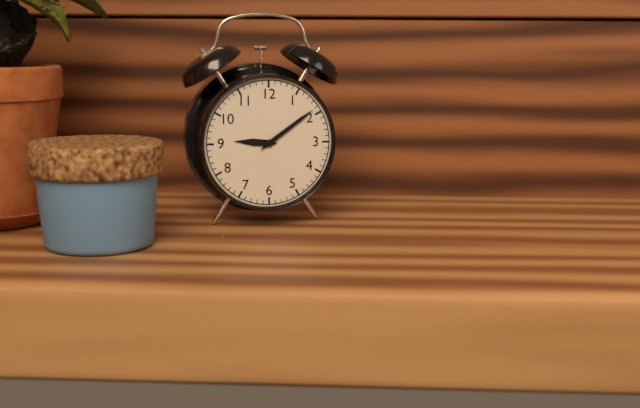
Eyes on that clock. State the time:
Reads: 9:09
